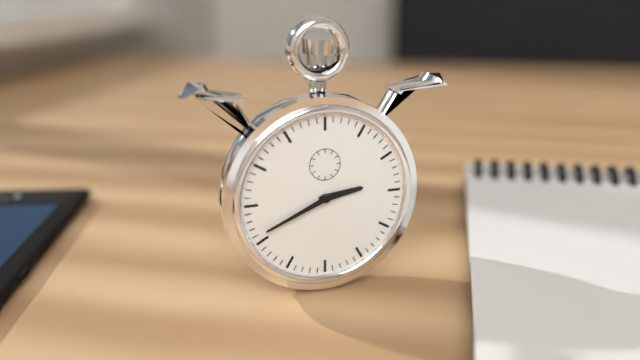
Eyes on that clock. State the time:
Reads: 2:41
